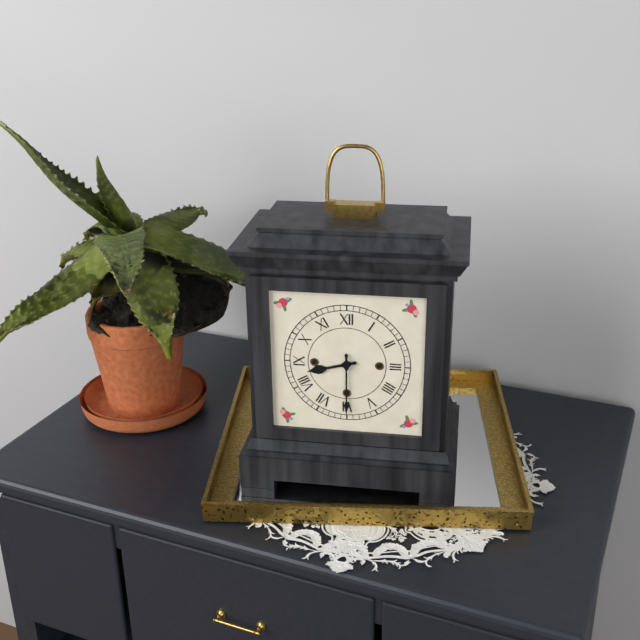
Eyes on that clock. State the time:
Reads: 8:30
